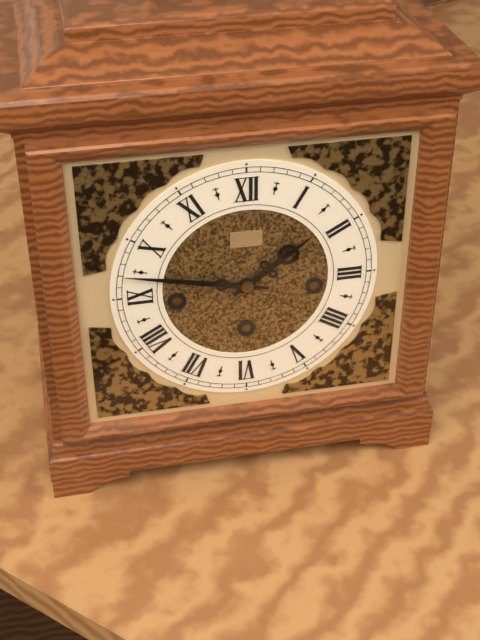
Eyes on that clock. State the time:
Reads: 1:47
